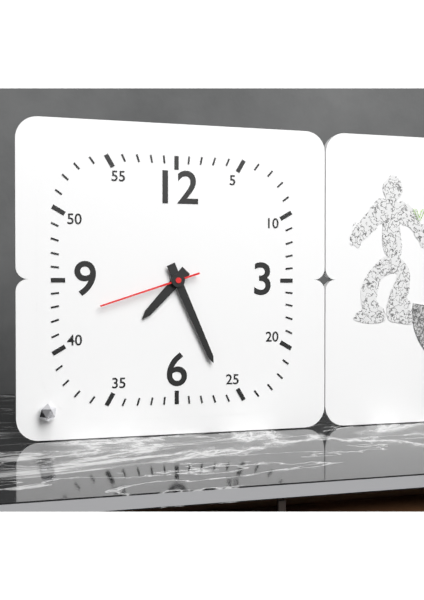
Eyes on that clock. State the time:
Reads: 7:26:42
